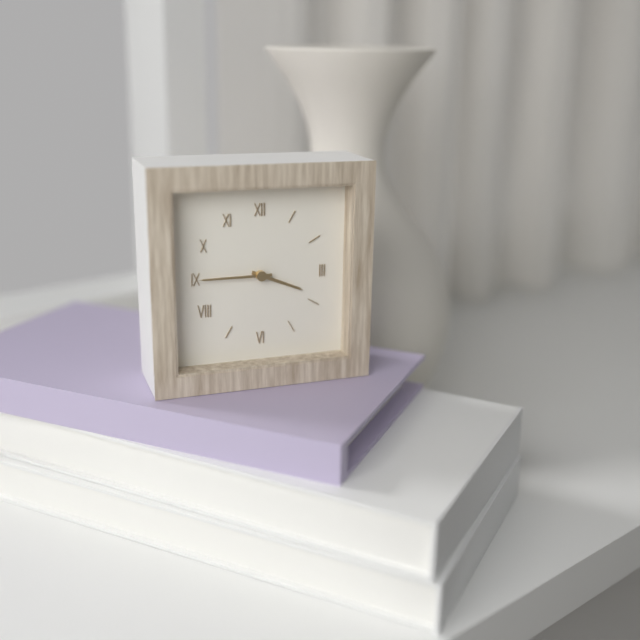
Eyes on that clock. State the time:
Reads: 3:45
